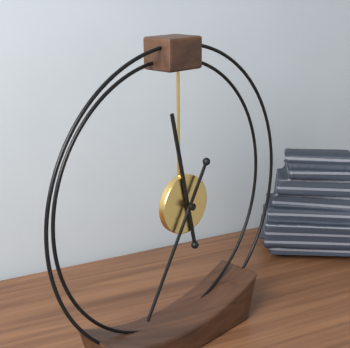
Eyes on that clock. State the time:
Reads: 11:35
